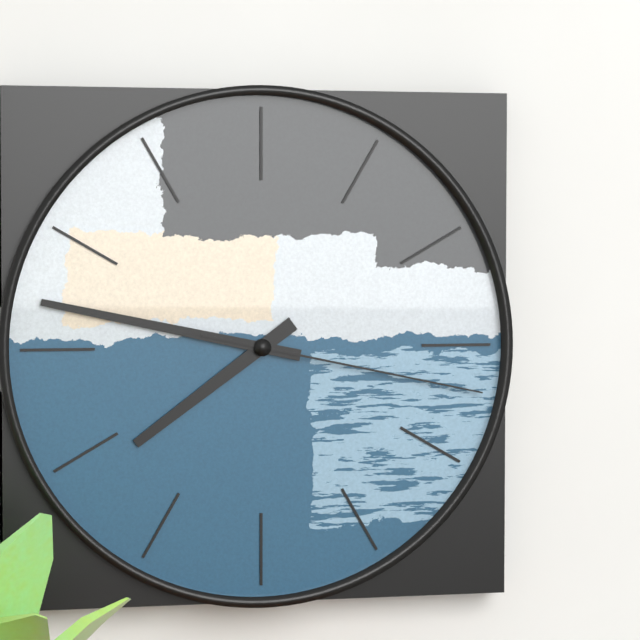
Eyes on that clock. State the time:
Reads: 7:47:17
